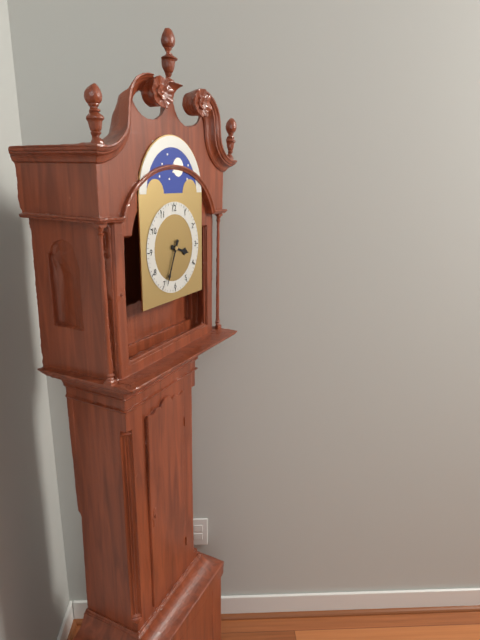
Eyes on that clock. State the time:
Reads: 3:34
